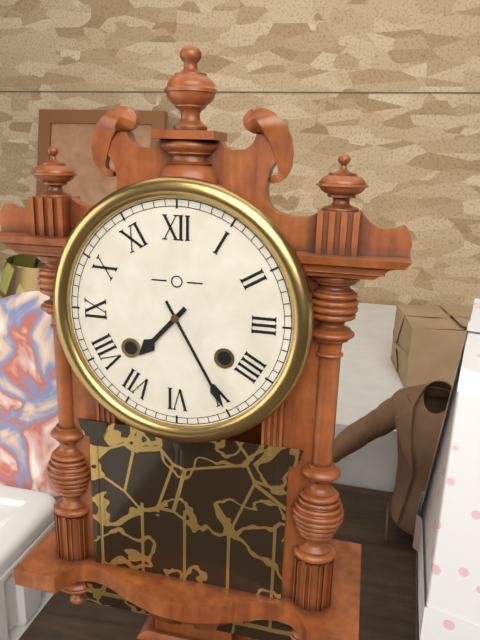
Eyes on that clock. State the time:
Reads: 7:25
